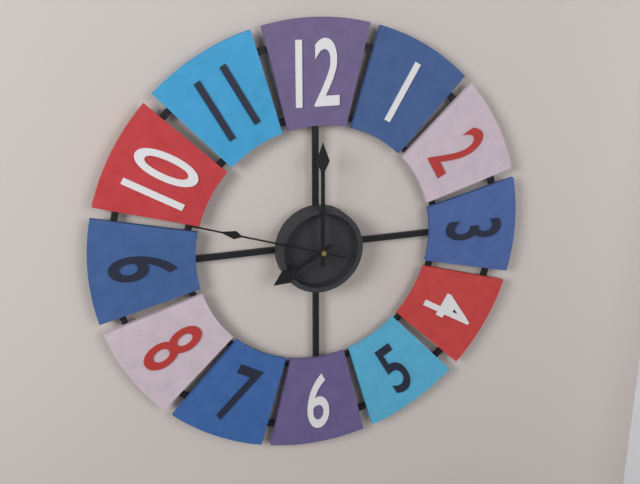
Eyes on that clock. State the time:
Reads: 8:00:48
